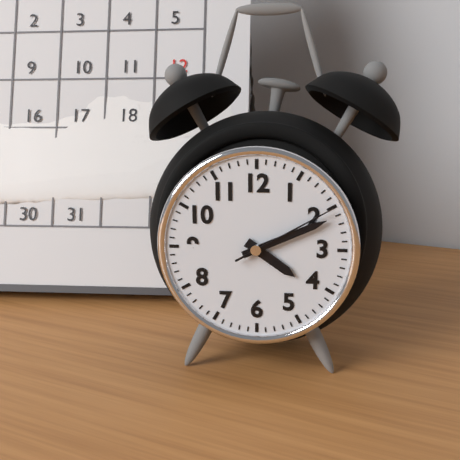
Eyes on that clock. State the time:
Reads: 4:11:10
